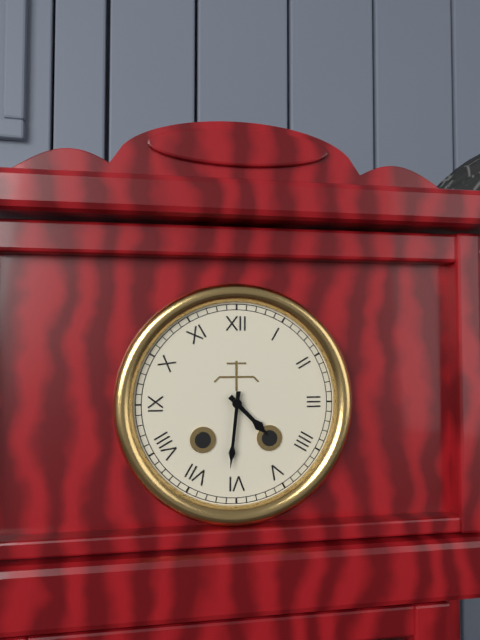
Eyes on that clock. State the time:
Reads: 4:31
